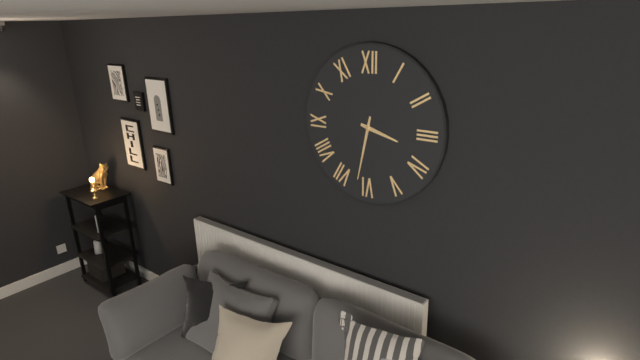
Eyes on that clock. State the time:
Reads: 3:32
